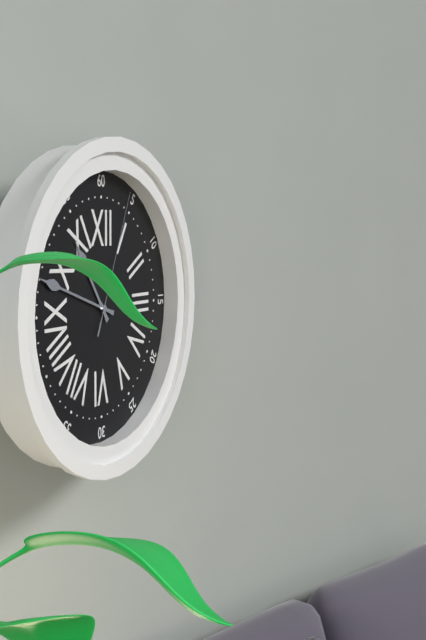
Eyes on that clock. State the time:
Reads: 10:48:04
